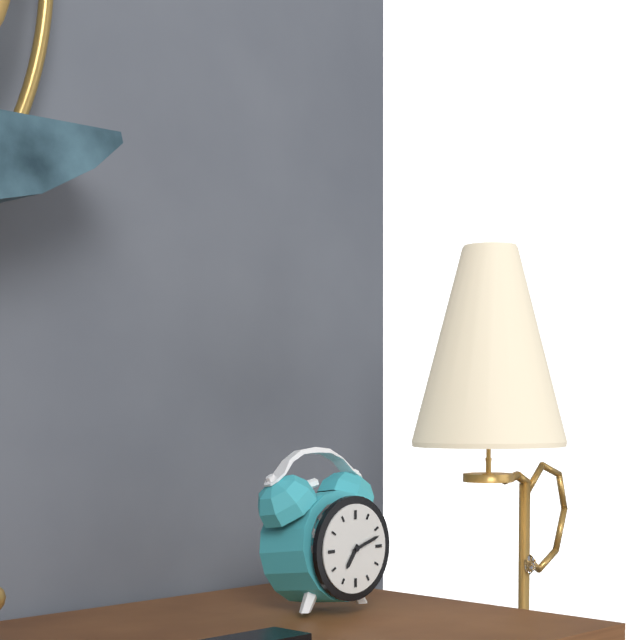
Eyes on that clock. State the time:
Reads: 7:12
